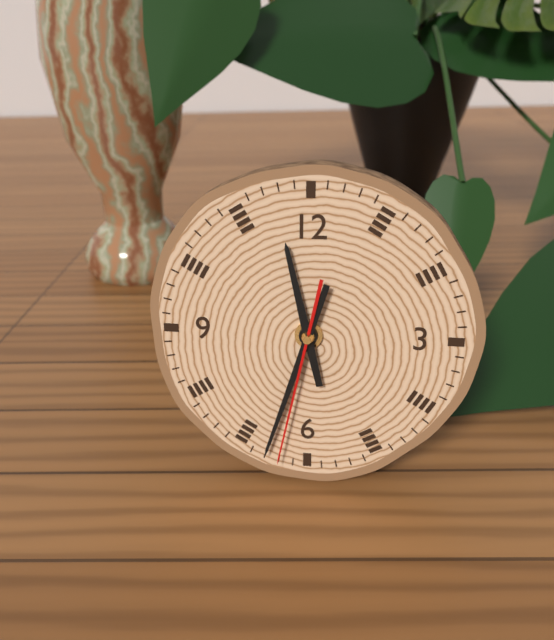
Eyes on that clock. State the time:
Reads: 11:33:32
